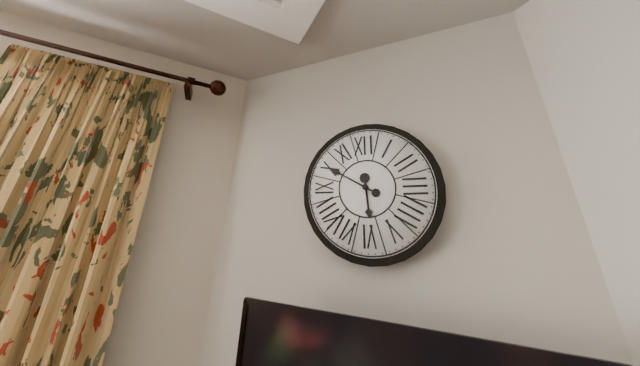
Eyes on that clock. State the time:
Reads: 5:50
